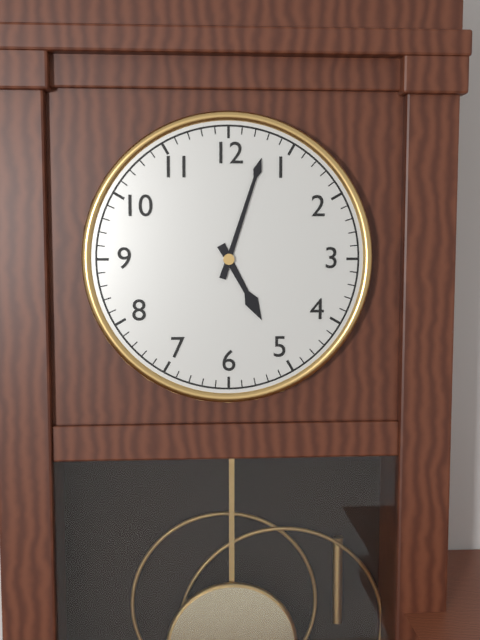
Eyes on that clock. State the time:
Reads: 5:03
